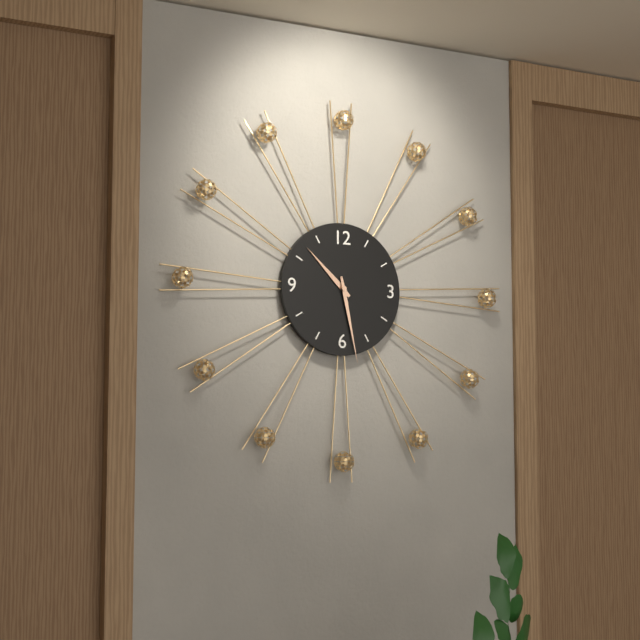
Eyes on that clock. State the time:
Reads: 10:28
